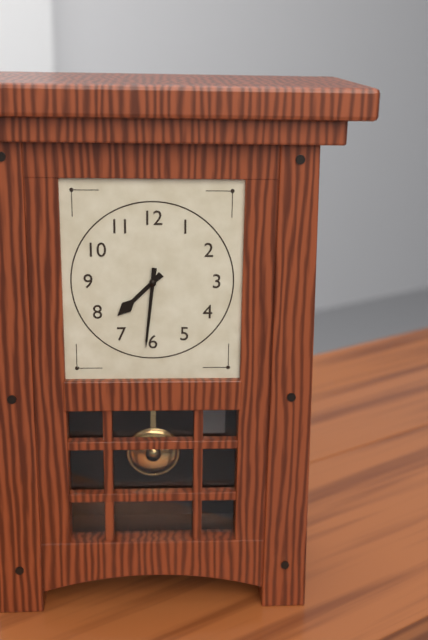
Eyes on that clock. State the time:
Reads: 7:31
